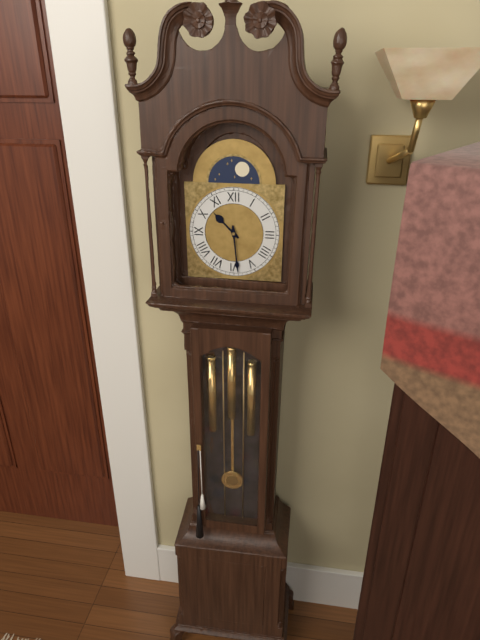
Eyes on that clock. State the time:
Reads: 10:29
